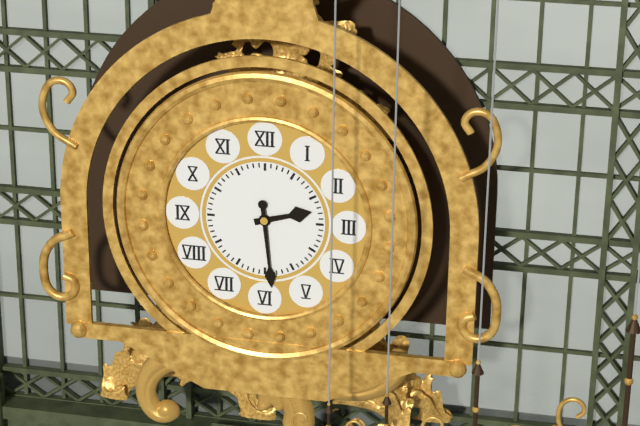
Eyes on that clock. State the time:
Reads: 2:29
